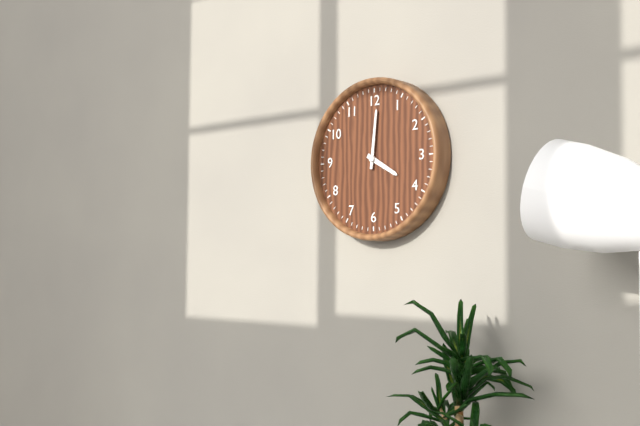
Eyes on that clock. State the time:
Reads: 4:01
